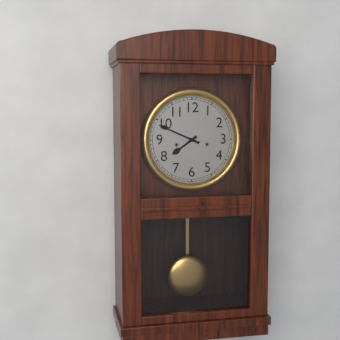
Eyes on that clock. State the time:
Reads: 7:49
